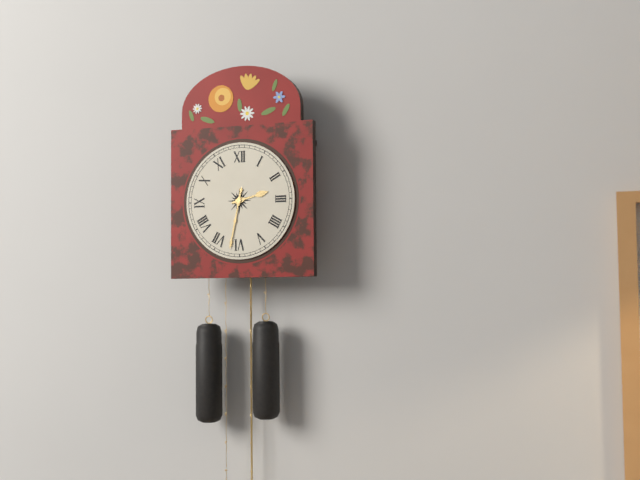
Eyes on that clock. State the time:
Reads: 2:32
